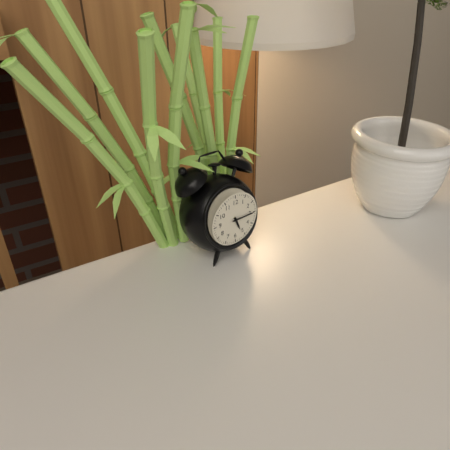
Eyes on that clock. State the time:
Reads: 5:15
